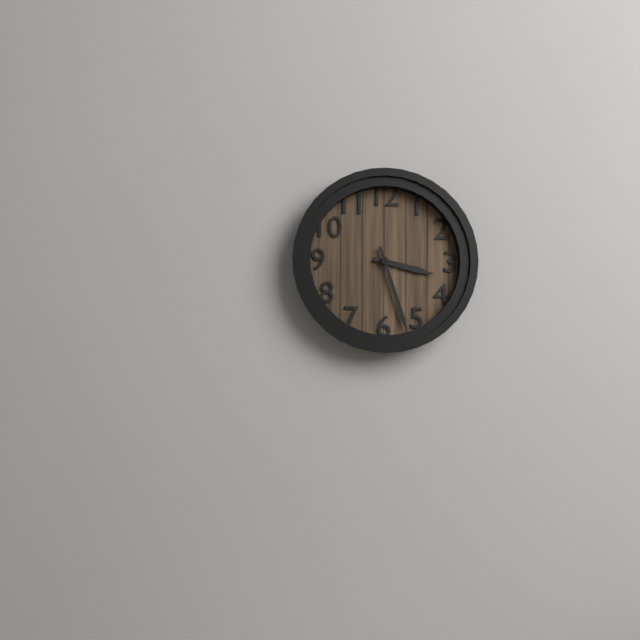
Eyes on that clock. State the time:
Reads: 3:27
